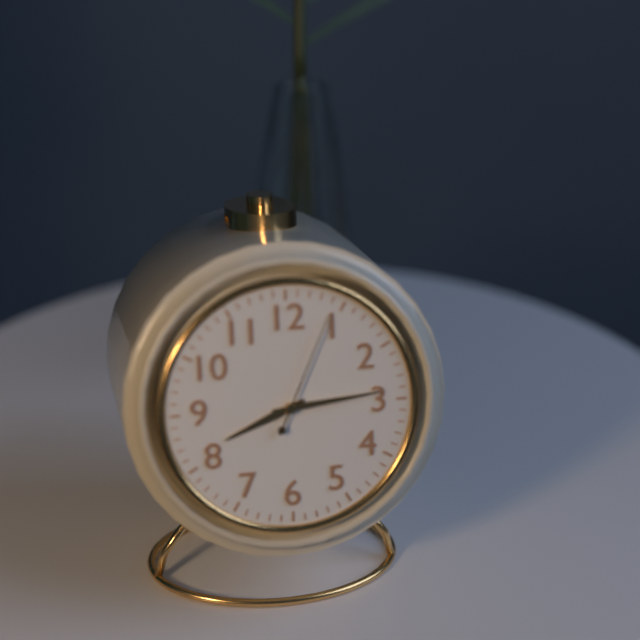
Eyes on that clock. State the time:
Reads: 8:14:04
